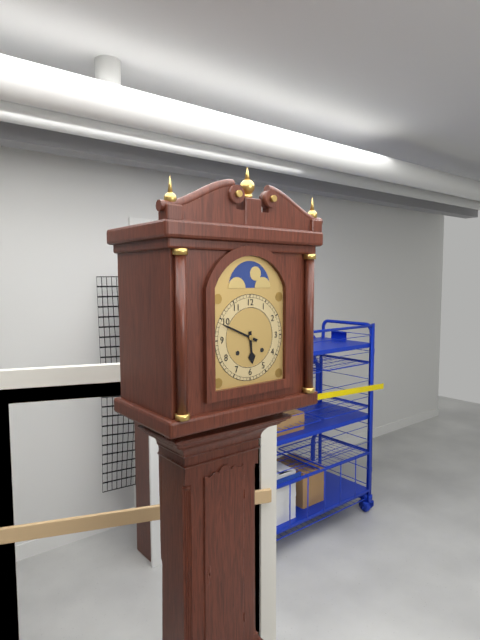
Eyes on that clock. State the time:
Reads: 5:49
